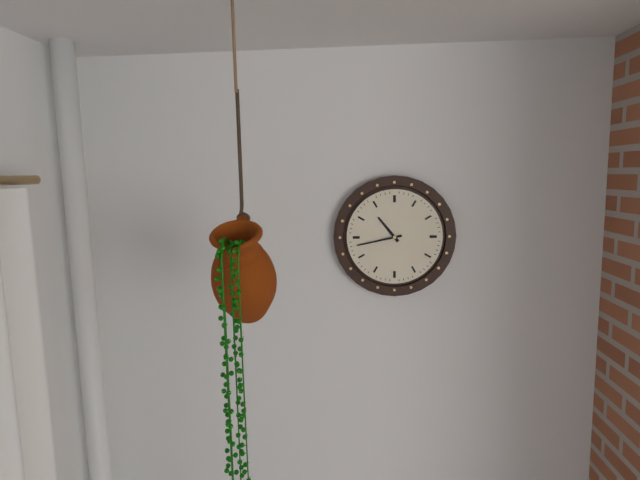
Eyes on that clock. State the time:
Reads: 10:43
